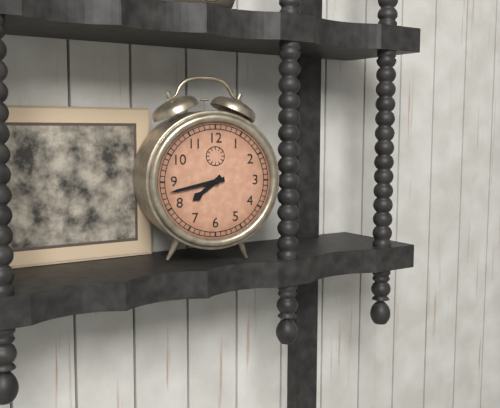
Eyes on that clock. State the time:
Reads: 7:43
